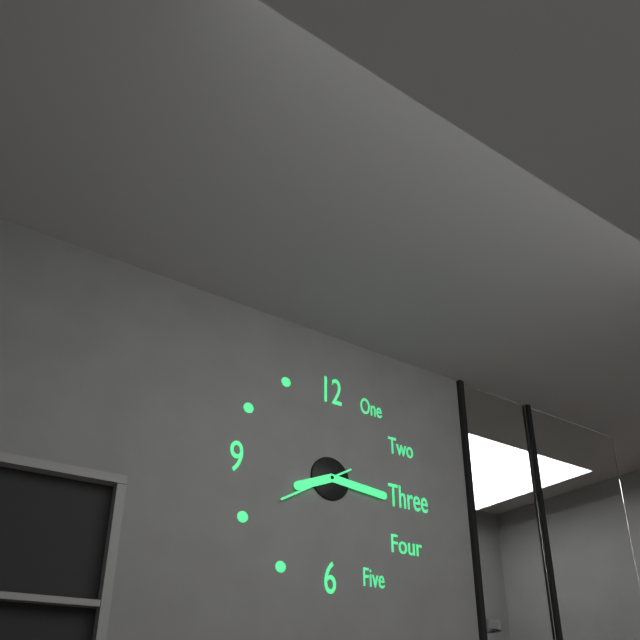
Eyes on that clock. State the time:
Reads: 8:16:40
